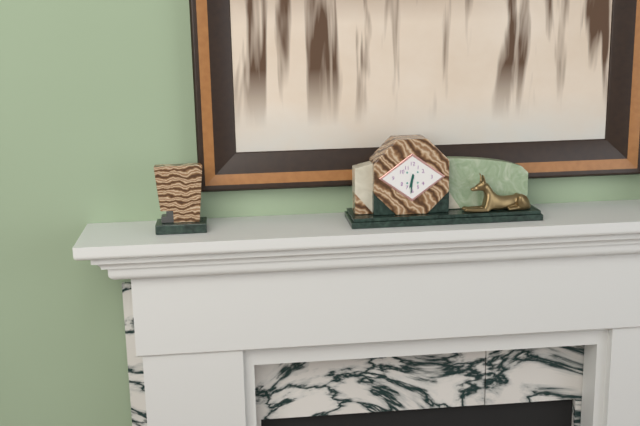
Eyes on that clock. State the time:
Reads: 6:31
